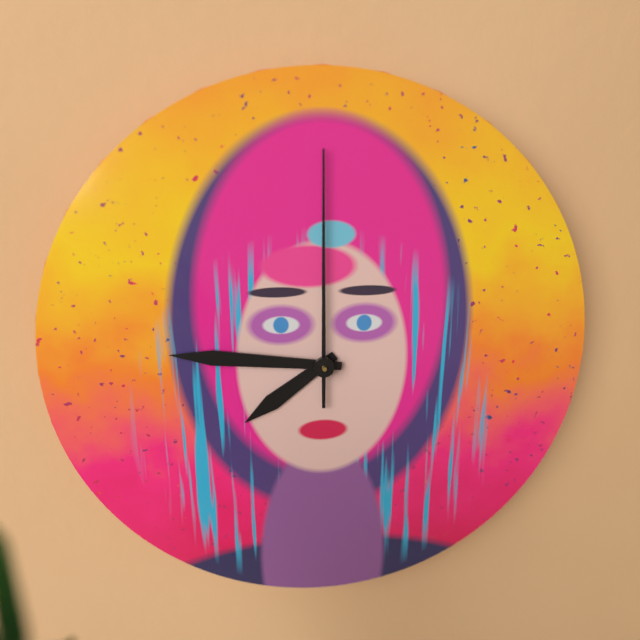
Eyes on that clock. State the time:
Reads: 7:46:00
